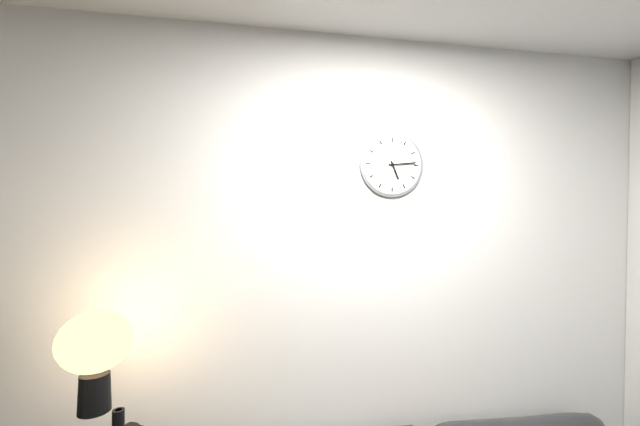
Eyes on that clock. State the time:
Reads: 5:14
